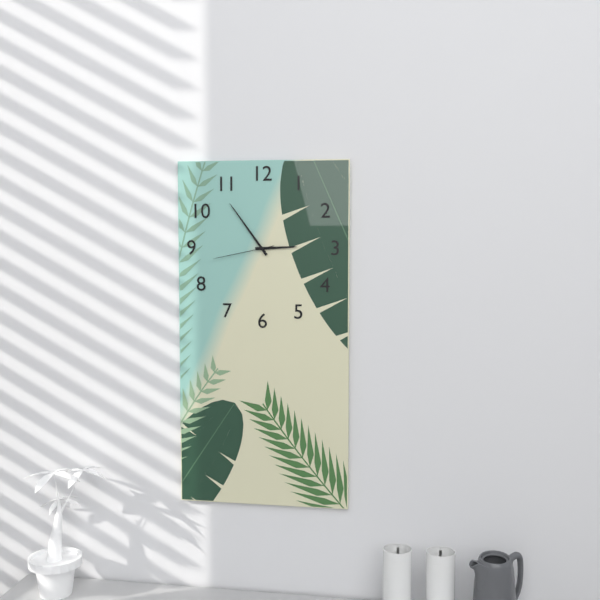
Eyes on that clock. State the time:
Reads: 2:54:43
